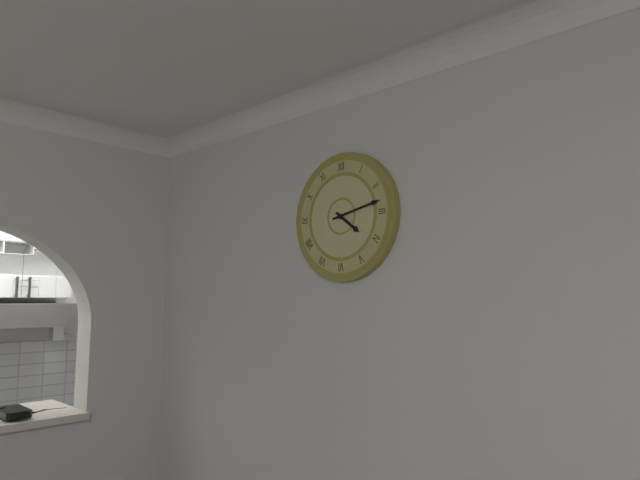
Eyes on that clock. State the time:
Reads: 4:13
